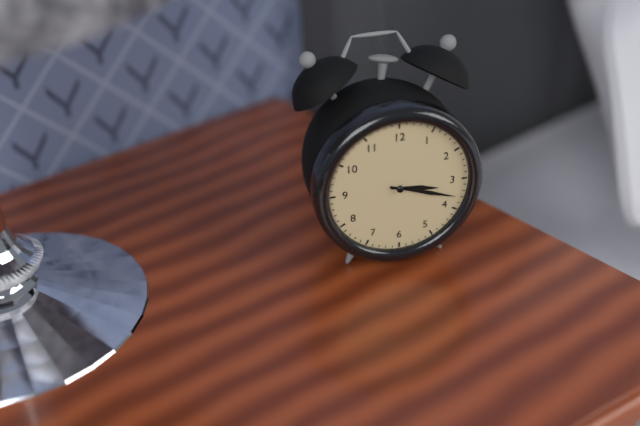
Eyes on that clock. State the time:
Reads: 3:18
